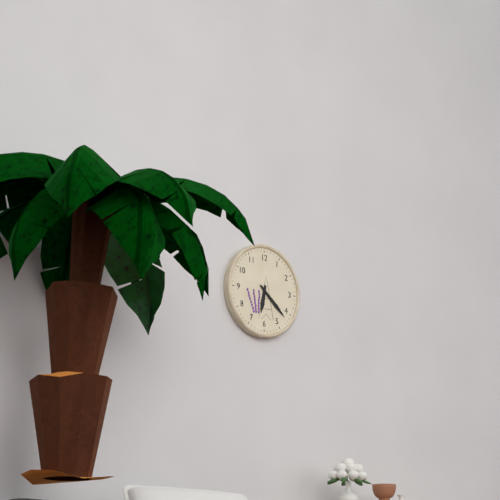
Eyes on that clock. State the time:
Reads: 6:22
